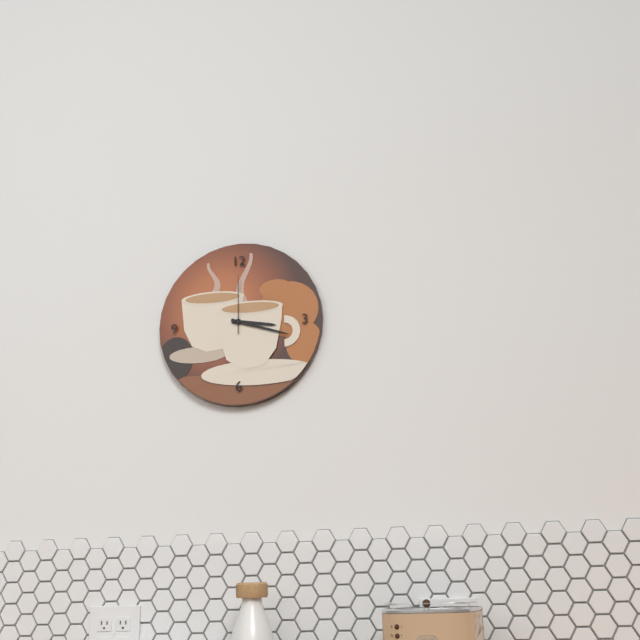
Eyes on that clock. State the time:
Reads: 3:18:00
